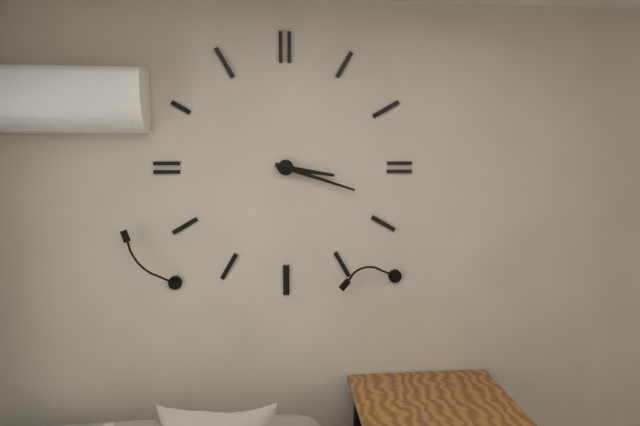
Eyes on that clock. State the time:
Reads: 3:18
